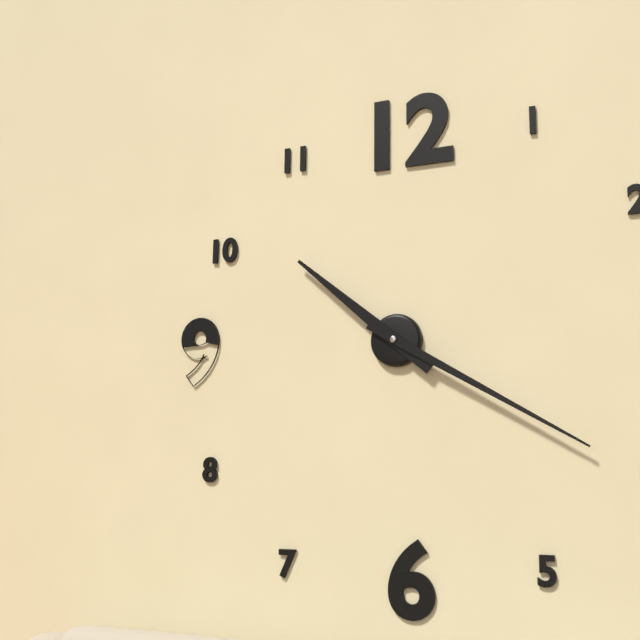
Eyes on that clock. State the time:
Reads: 10:20
